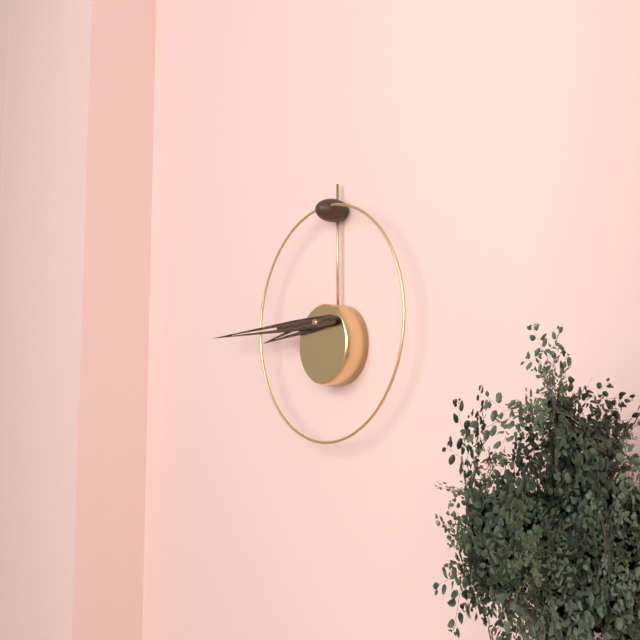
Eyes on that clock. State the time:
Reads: 8:45
